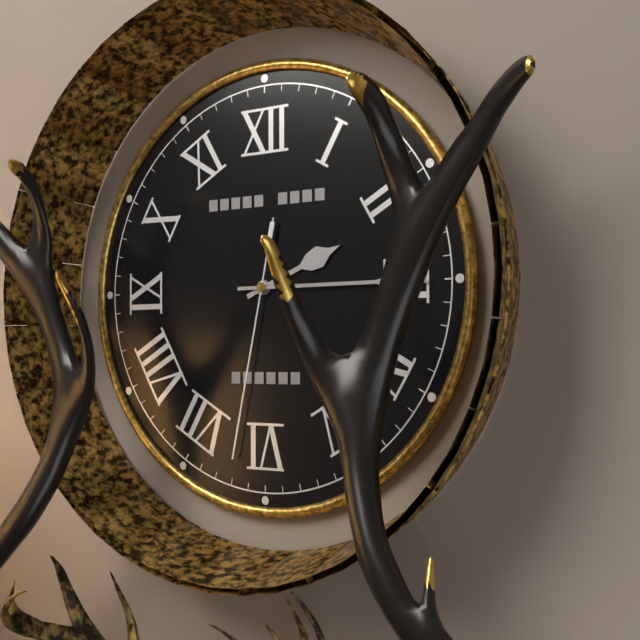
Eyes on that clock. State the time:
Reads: 2:15:32
